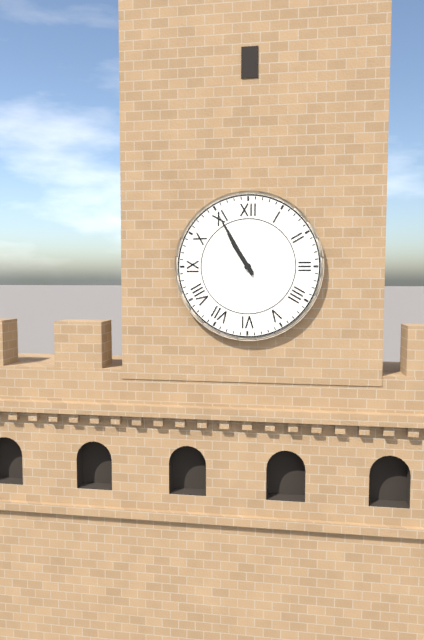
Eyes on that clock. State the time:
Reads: 10:55
